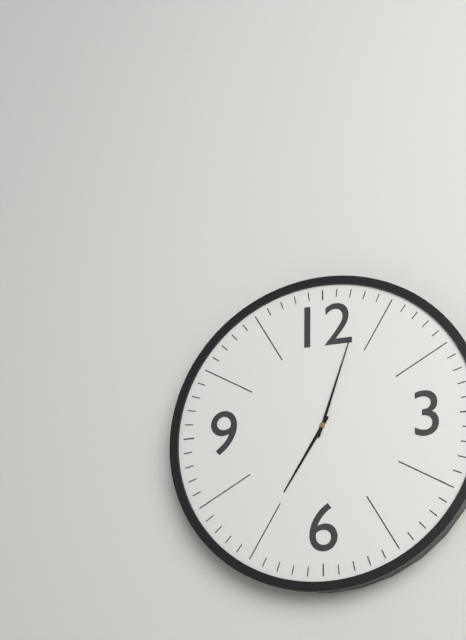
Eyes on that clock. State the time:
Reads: 7:03
